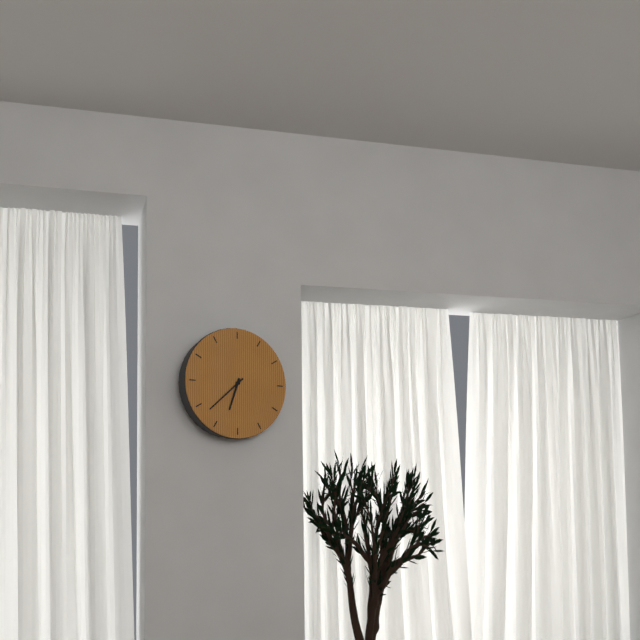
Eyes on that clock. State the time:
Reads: 6:38
